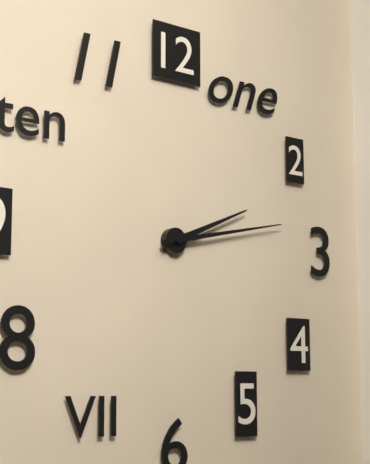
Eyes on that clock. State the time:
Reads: 2:13
